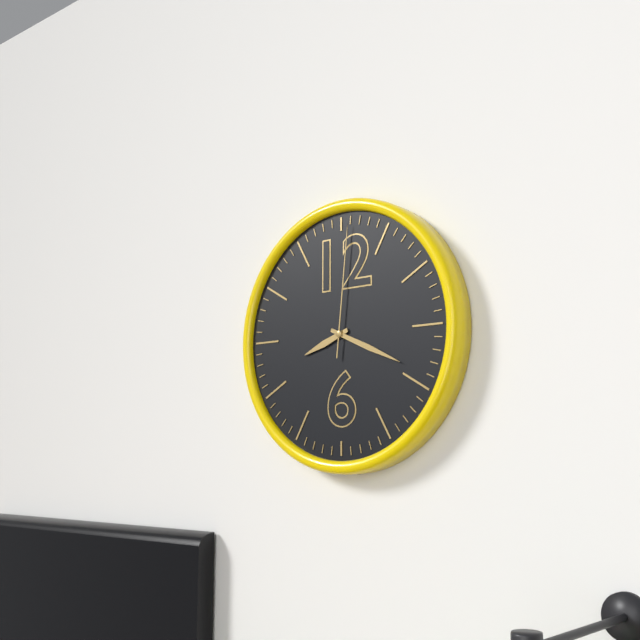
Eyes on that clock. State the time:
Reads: 8:19:01
